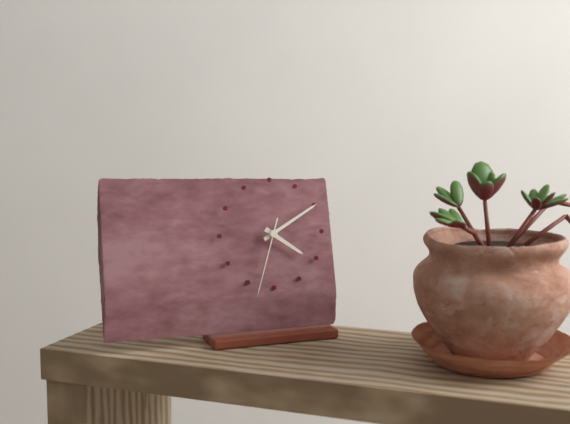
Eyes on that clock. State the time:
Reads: 4:10:33
